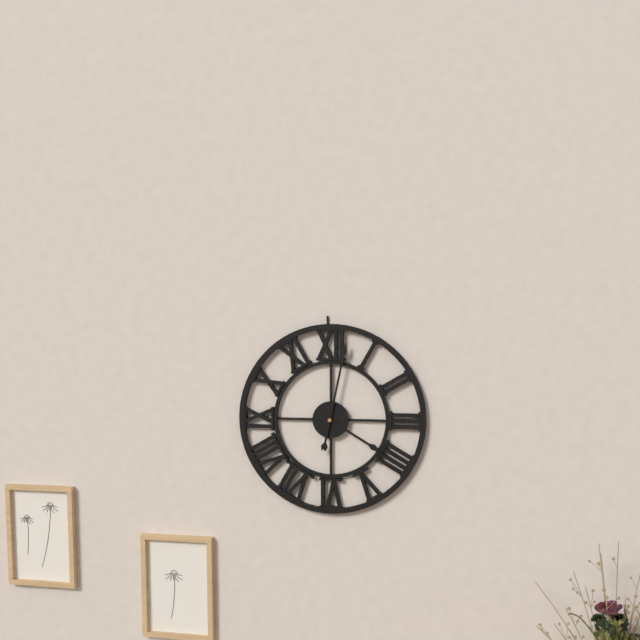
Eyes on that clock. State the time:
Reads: 4:02
